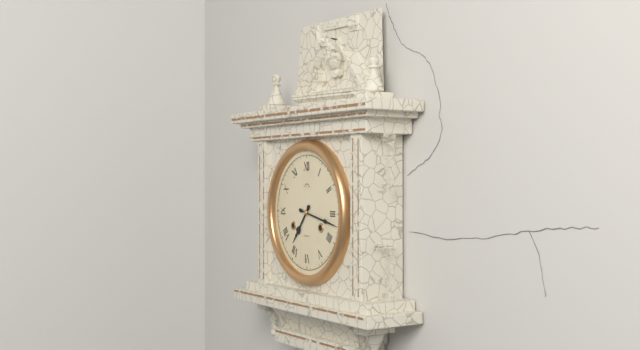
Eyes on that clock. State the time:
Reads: 7:17
